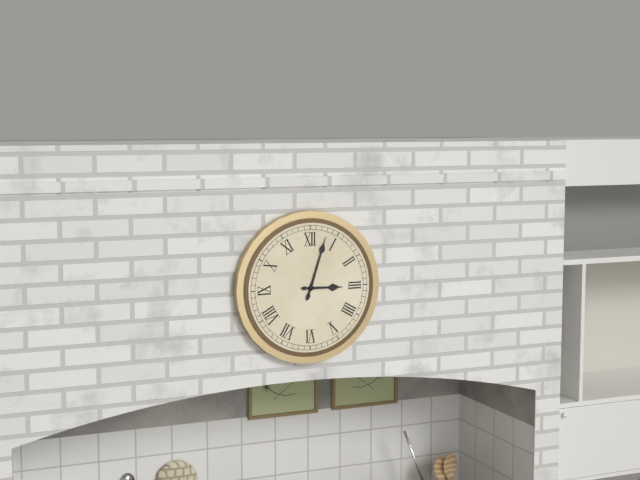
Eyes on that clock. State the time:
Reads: 3:03
